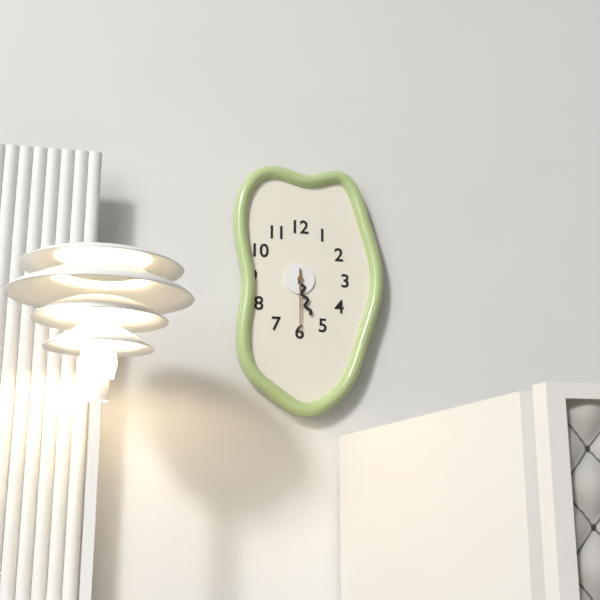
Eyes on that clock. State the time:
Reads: 5:30
